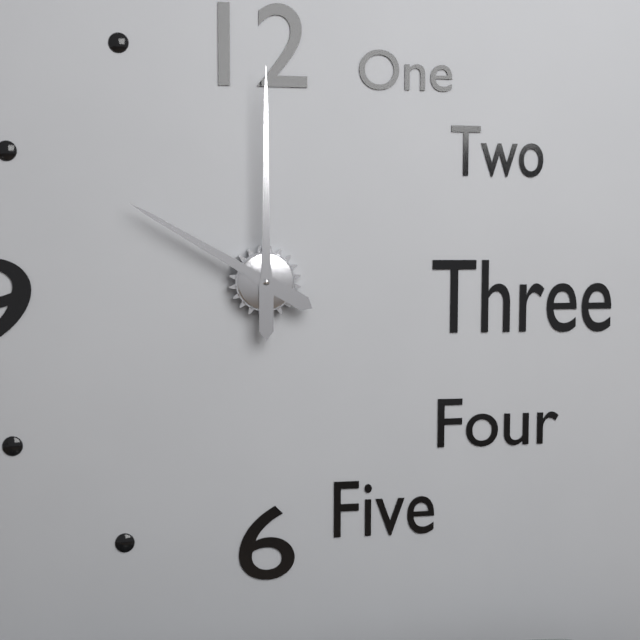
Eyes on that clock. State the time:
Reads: 10:00
